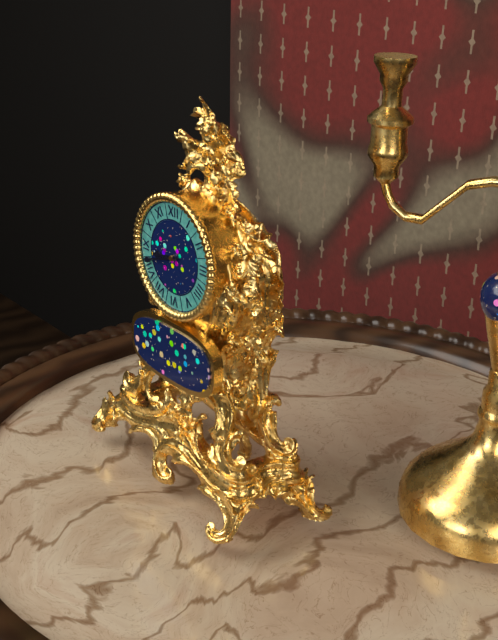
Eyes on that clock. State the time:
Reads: 8:42
